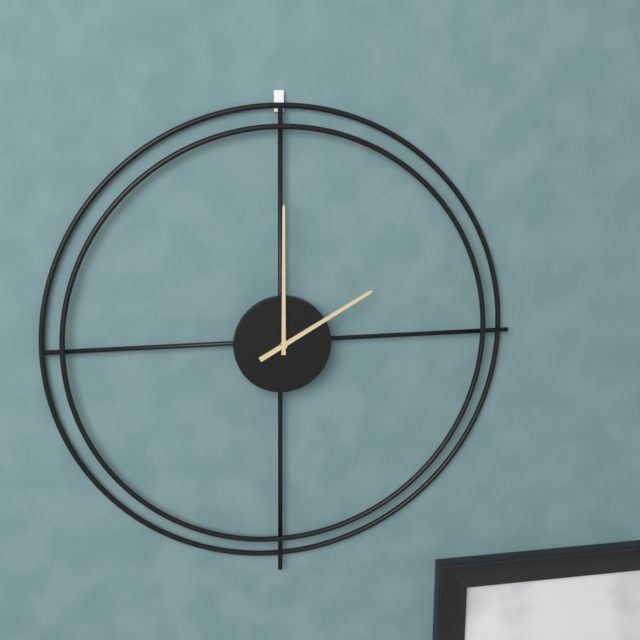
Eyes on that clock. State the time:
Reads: 2:00
